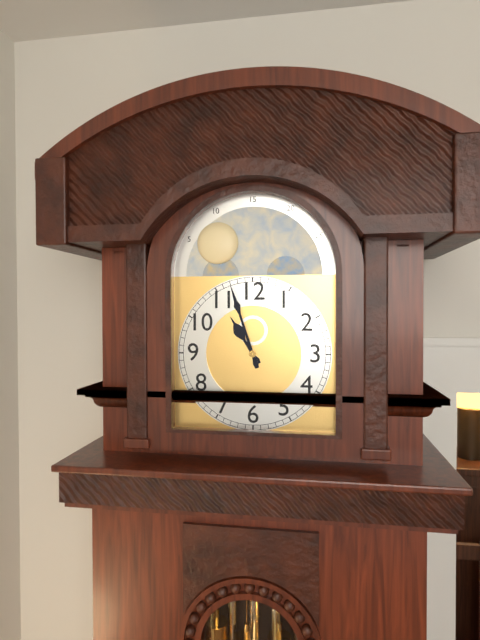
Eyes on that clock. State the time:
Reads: 10:57
